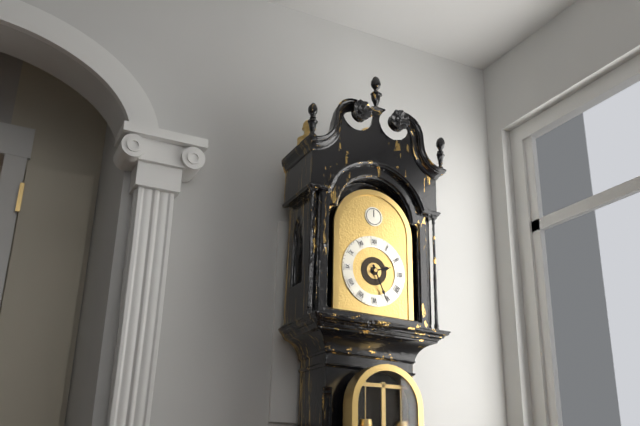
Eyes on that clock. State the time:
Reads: 2:26
